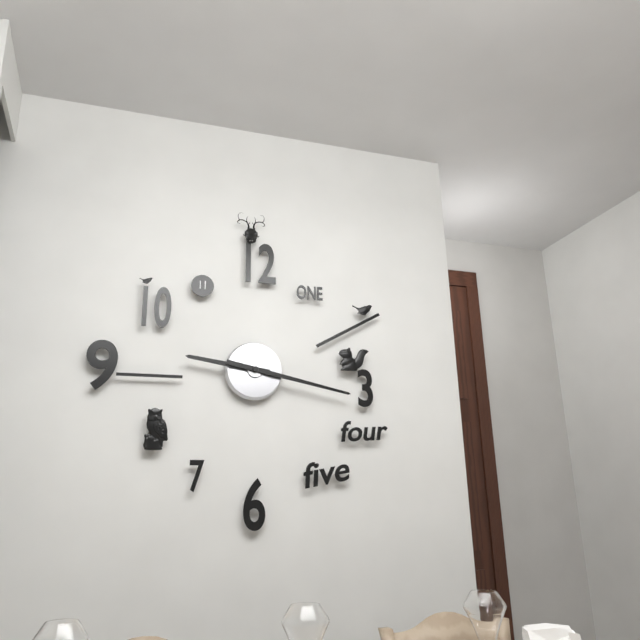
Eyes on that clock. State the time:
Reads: 9:17
